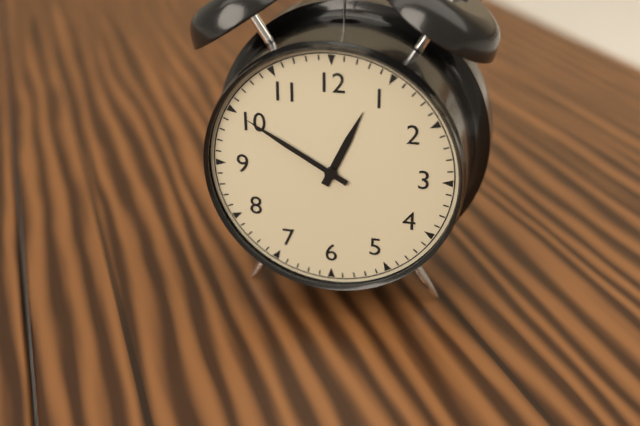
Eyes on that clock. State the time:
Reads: 12:50
